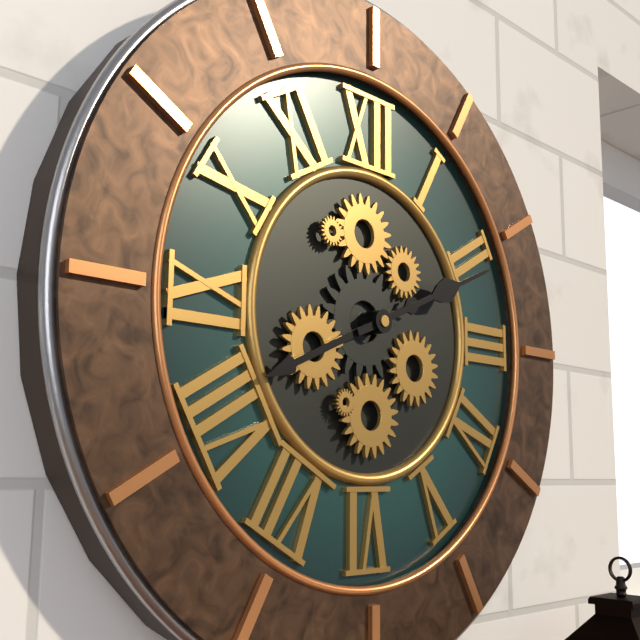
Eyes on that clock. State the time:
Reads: 8:11
